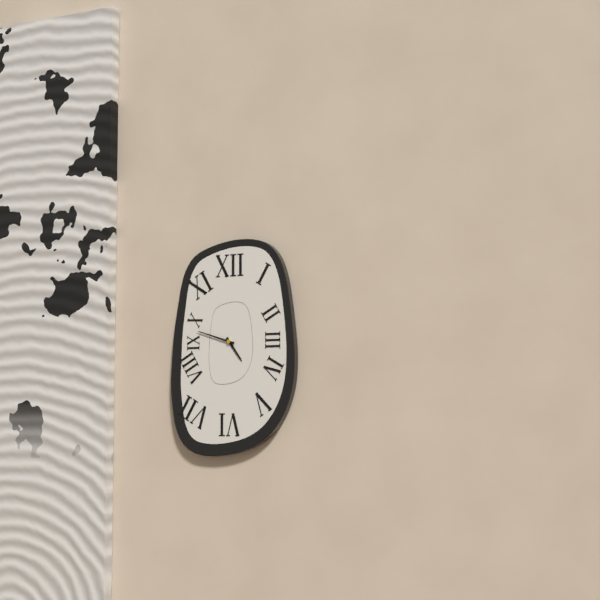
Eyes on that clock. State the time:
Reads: 4:48
